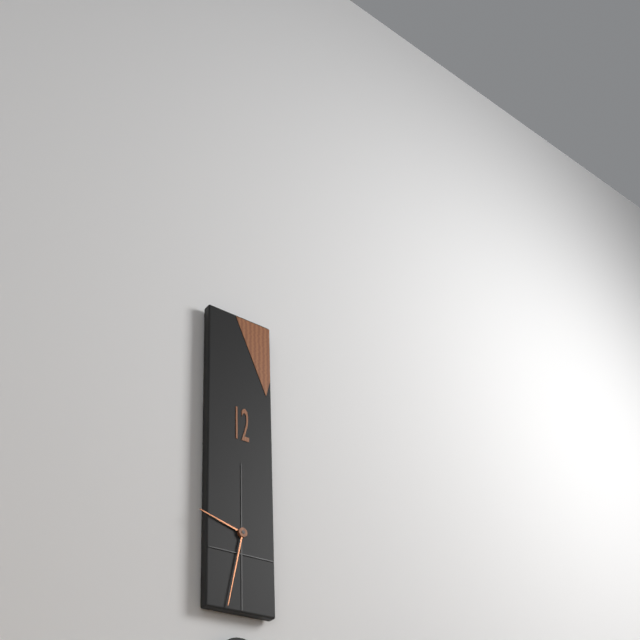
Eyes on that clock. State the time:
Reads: 9:32
